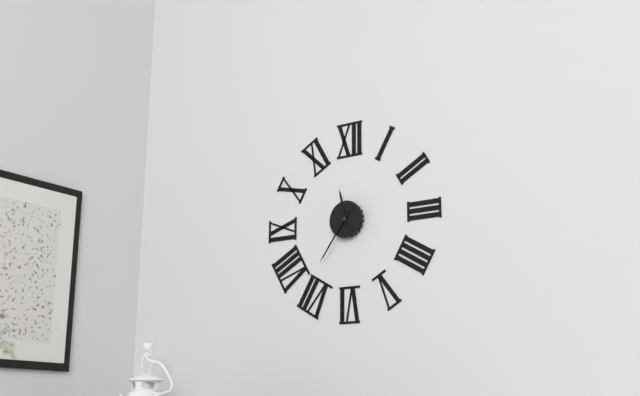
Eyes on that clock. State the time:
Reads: 11:36
